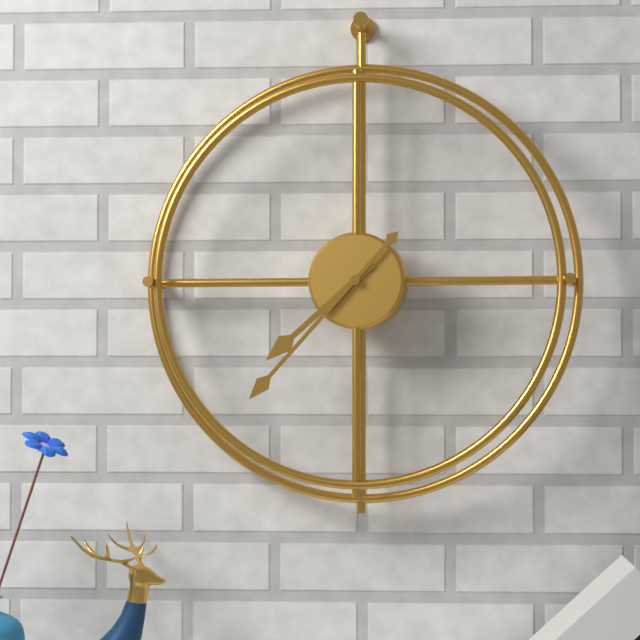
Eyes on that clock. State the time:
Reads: 7:37
